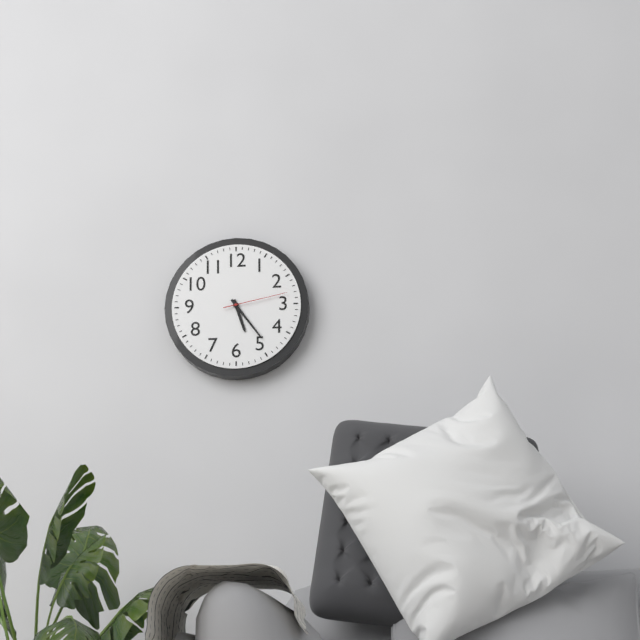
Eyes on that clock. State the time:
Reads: 5:24:13
